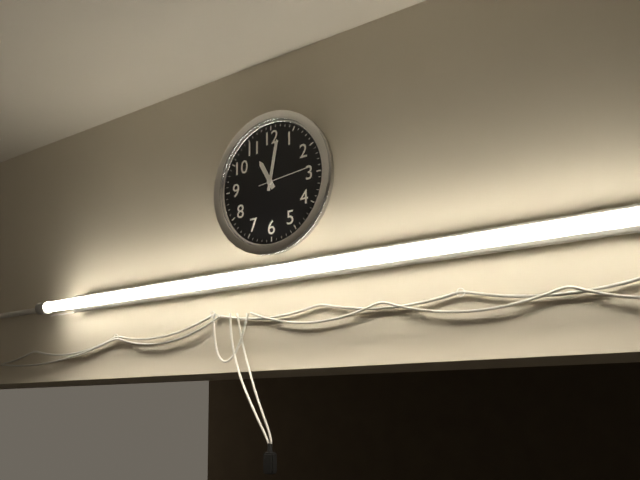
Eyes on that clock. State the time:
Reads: 11:02:14
